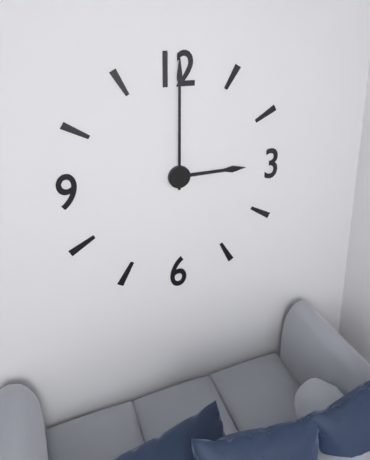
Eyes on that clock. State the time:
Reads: 3:00
